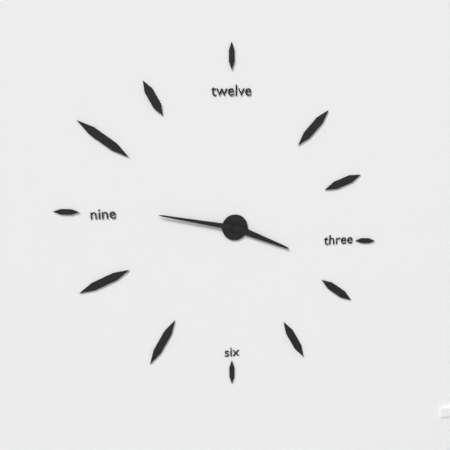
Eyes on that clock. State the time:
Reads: 3:47
